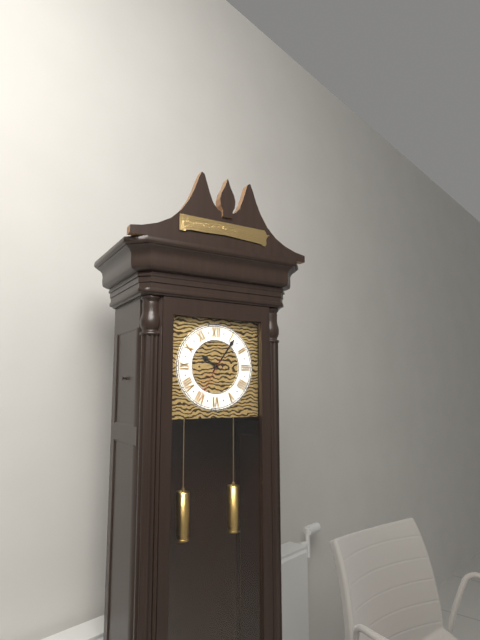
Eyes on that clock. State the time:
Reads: 10:06
